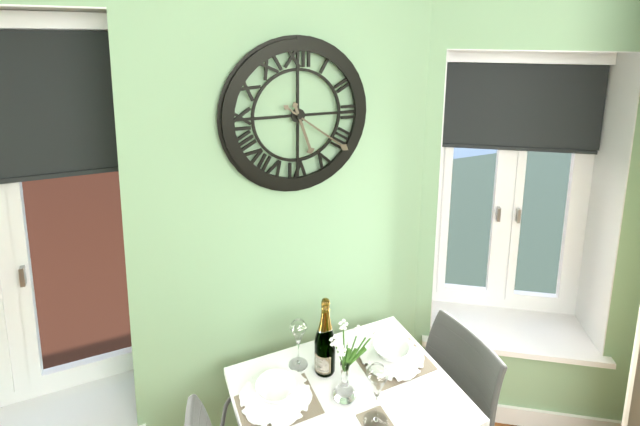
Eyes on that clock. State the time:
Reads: 5:21
